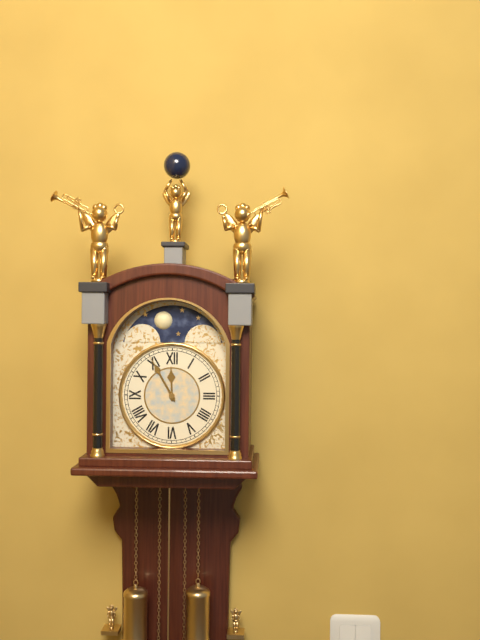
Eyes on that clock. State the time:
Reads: 11:55
